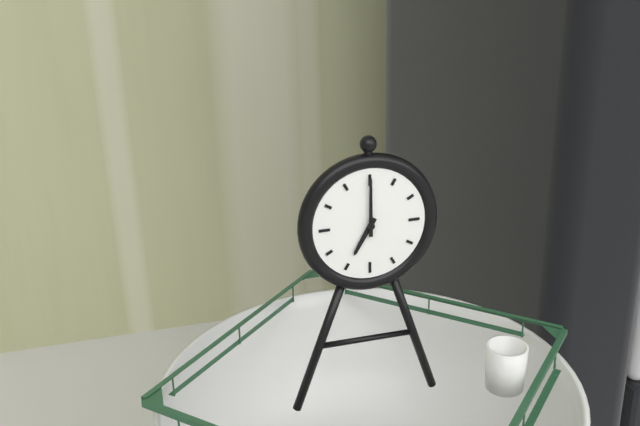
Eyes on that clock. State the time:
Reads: 7:00
